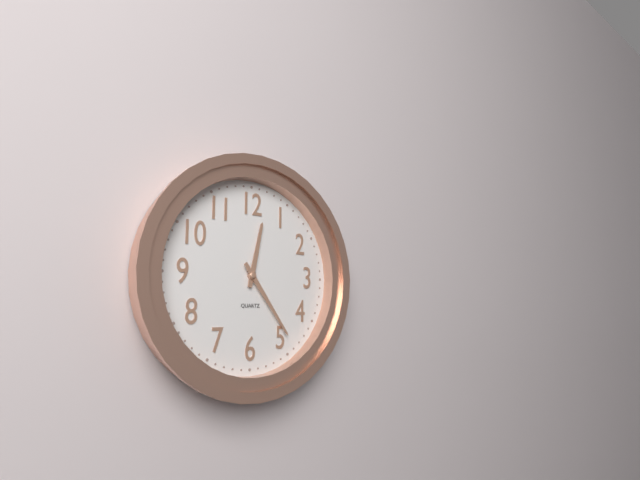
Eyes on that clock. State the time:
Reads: 12:24
